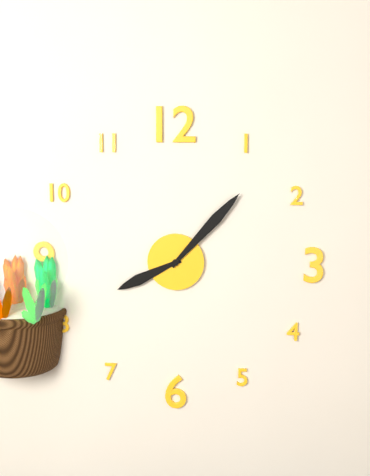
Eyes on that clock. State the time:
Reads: 8:07
